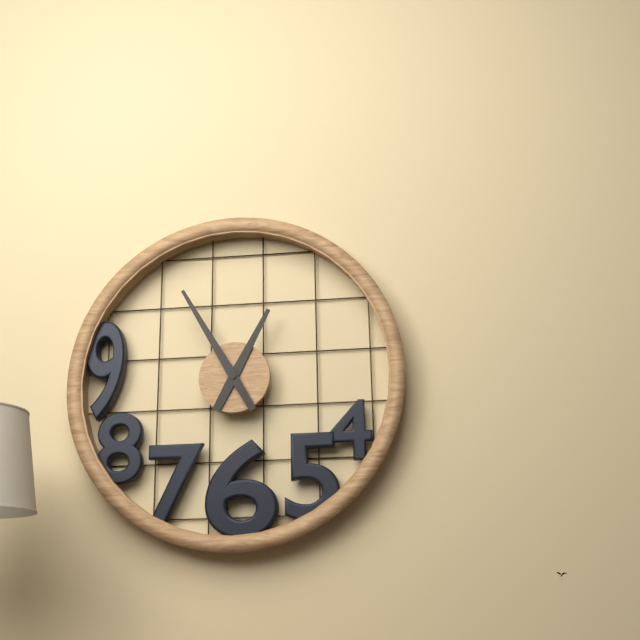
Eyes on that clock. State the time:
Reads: 12:55
